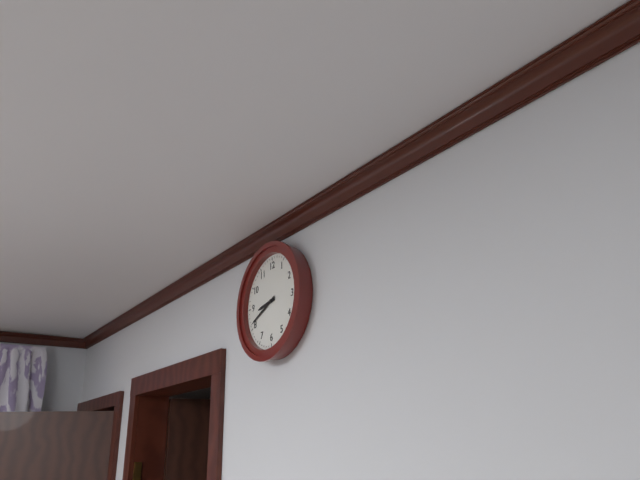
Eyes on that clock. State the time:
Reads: 8:41
